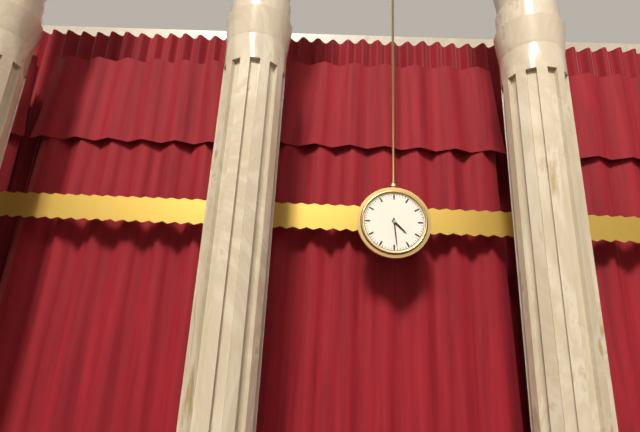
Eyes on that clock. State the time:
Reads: 4:29
